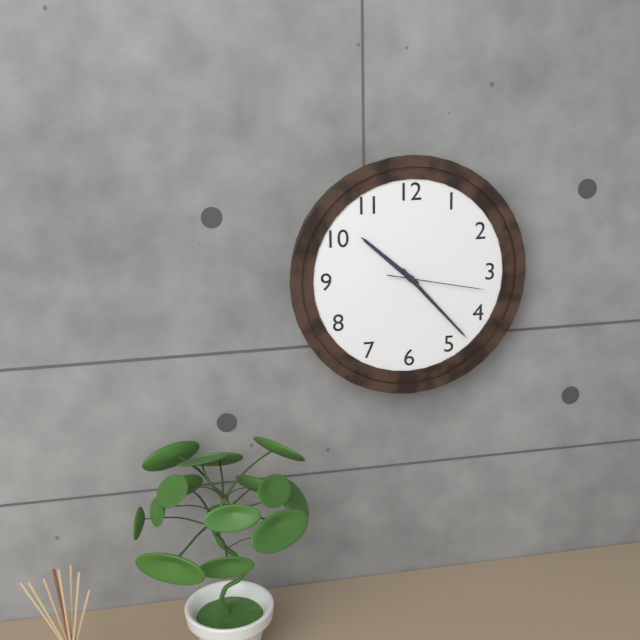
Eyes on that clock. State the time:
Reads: 10:23:17
